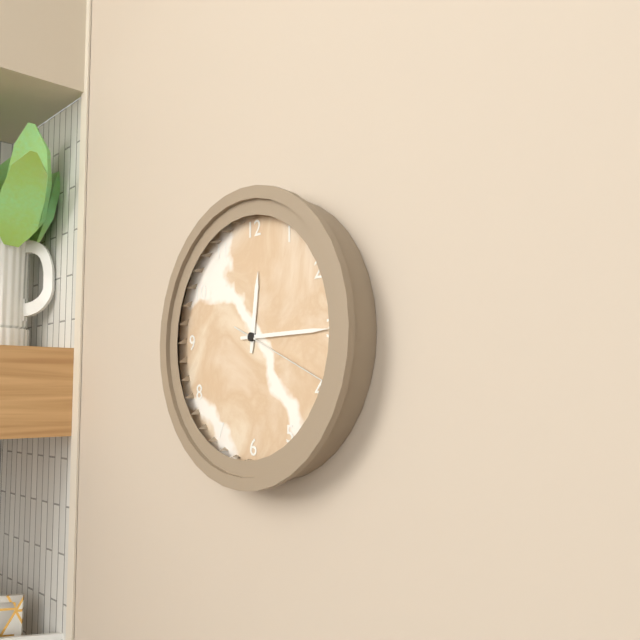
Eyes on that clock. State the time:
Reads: 12:15:19
